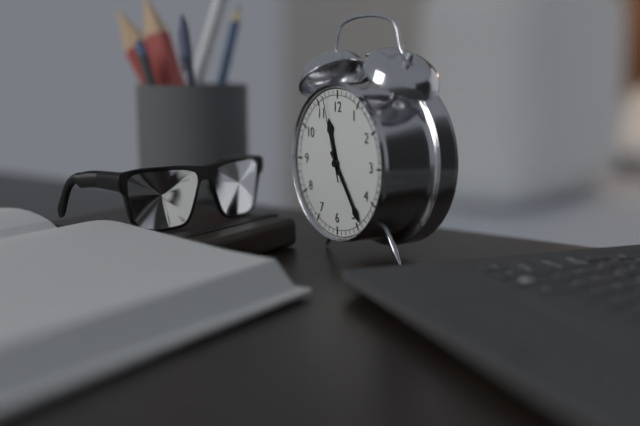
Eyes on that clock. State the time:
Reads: 11:24:57
